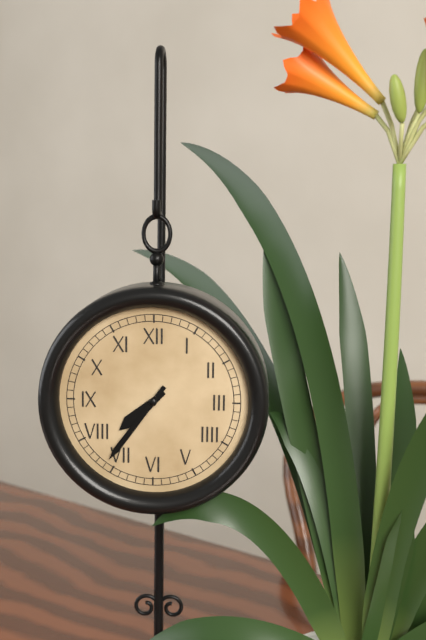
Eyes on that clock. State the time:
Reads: 7:36
